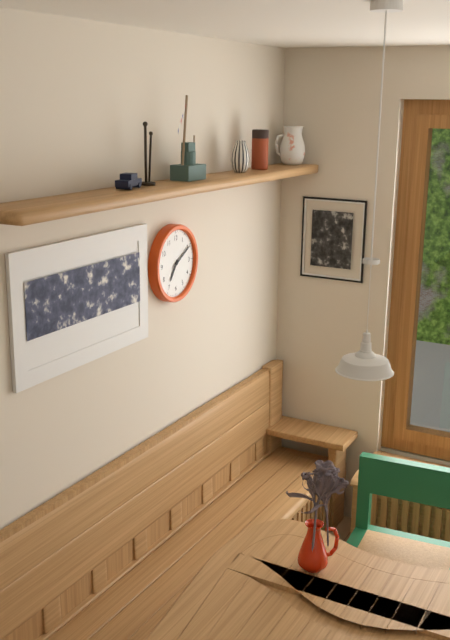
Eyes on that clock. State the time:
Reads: 7:10
